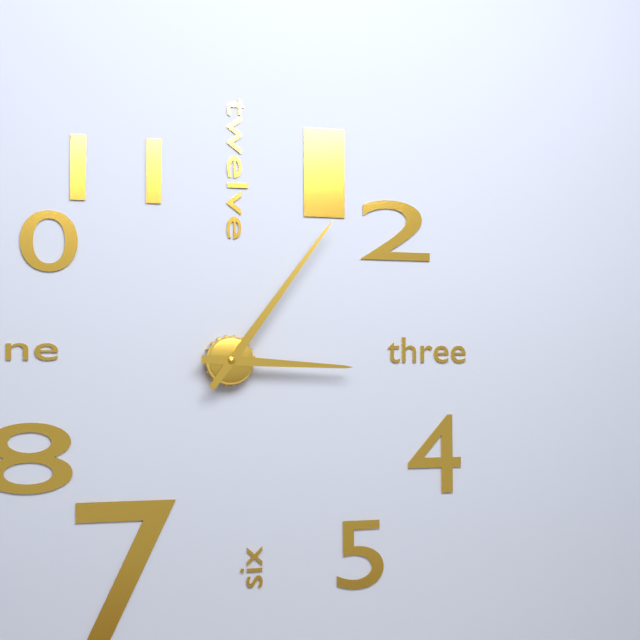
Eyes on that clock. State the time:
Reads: 3:06
